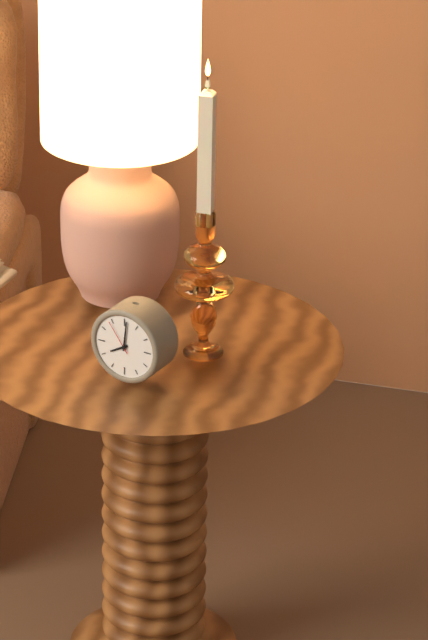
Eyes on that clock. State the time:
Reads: 8:01
